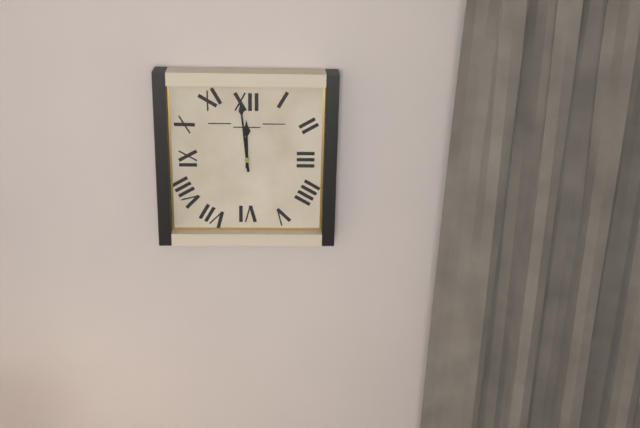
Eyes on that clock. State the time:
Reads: 11:59
